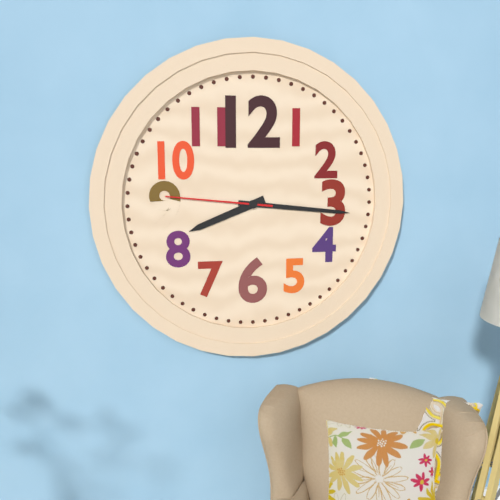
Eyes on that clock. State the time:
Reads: 8:16:46
